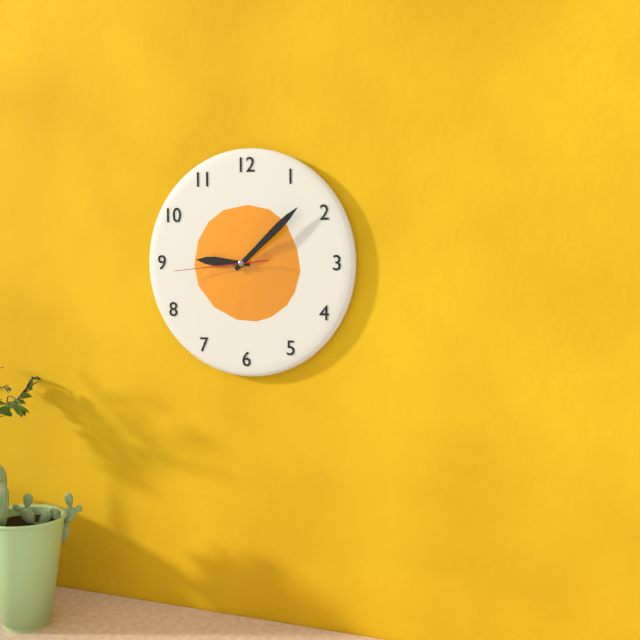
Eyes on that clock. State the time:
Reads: 9:08:44
